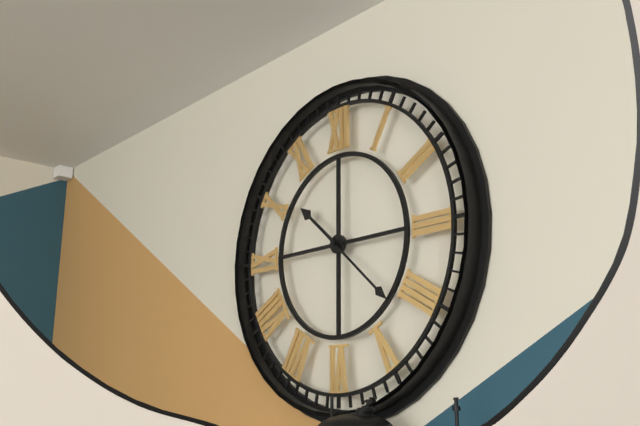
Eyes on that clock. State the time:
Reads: 10:22
